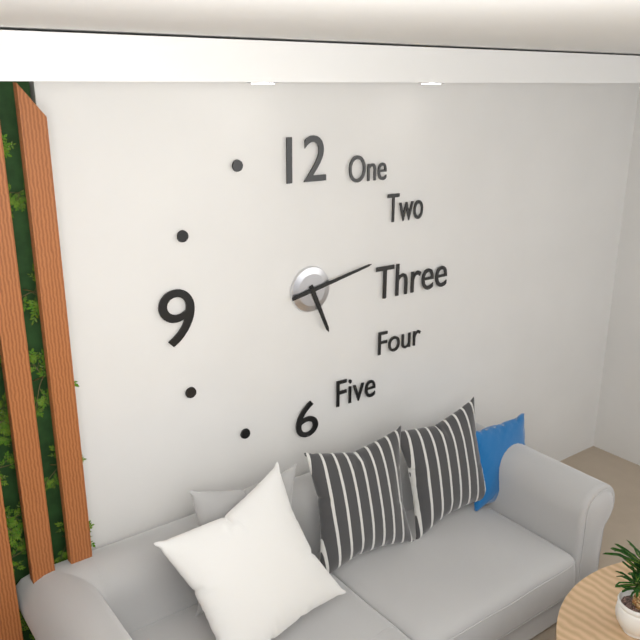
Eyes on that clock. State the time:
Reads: 5:13
